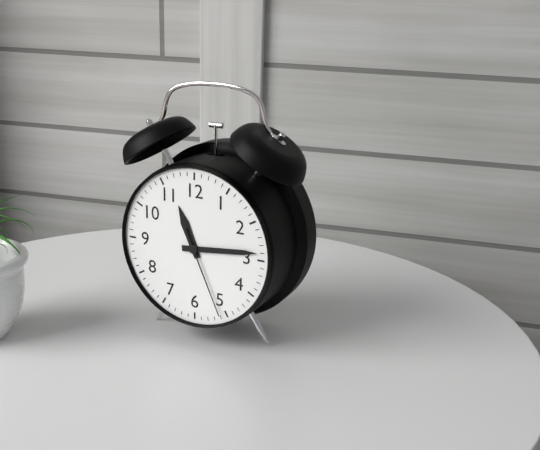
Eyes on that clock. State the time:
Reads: 11:14:26
